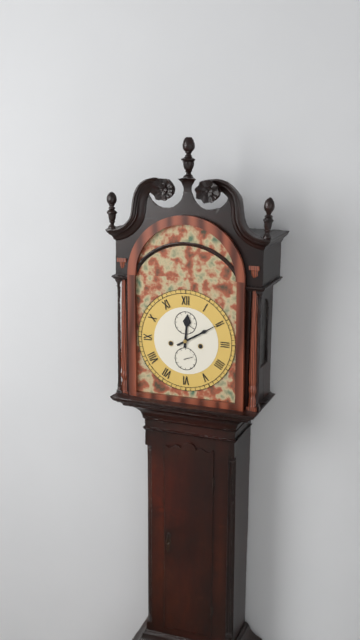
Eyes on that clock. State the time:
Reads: 12:10
